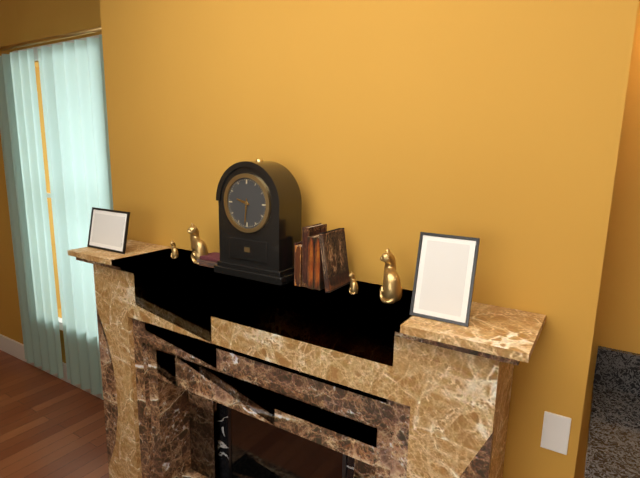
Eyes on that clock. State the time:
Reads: 9:31
